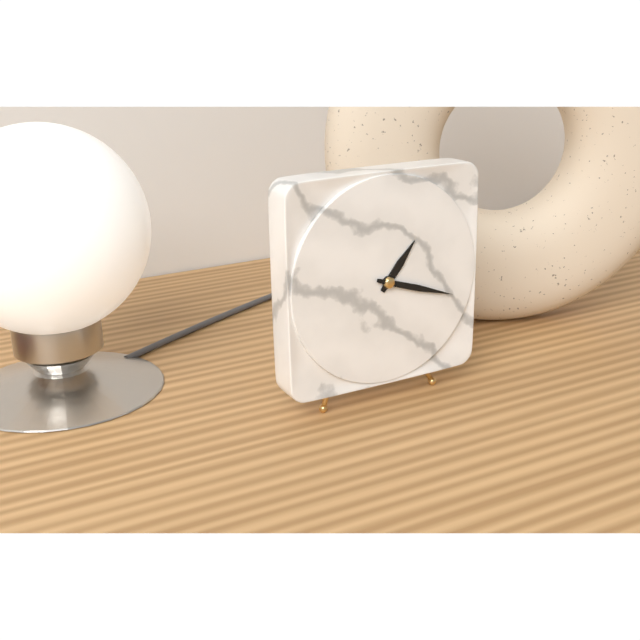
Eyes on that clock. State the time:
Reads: 1:18
